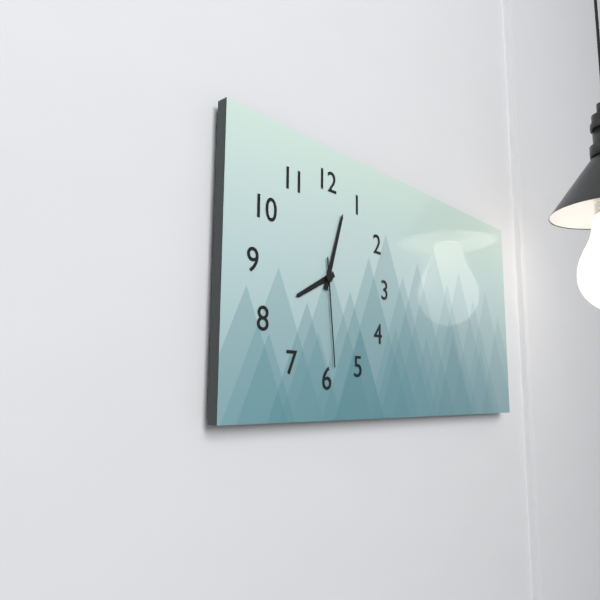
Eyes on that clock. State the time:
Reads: 8:03:29
